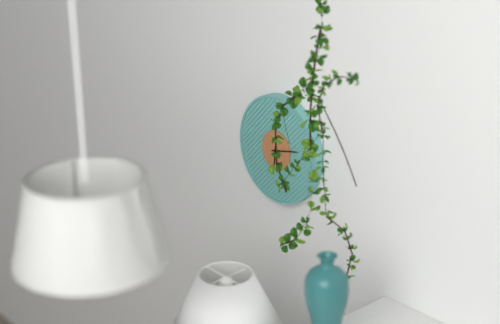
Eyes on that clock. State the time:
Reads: 6:13
